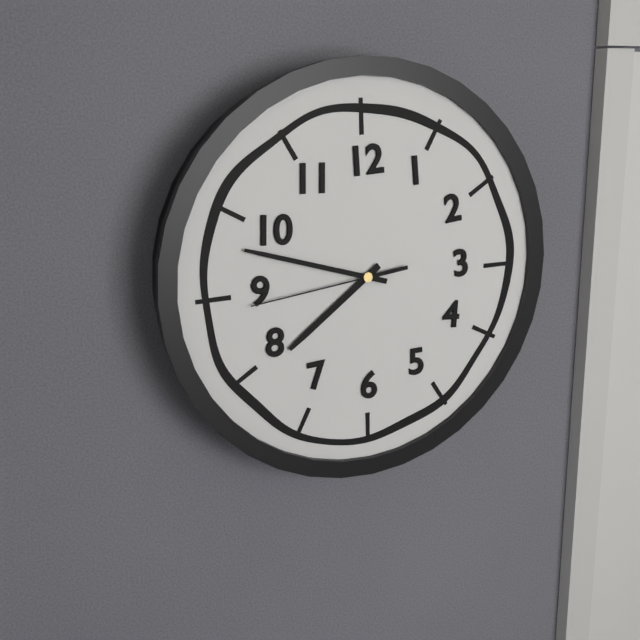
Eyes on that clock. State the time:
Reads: 7:48:44
